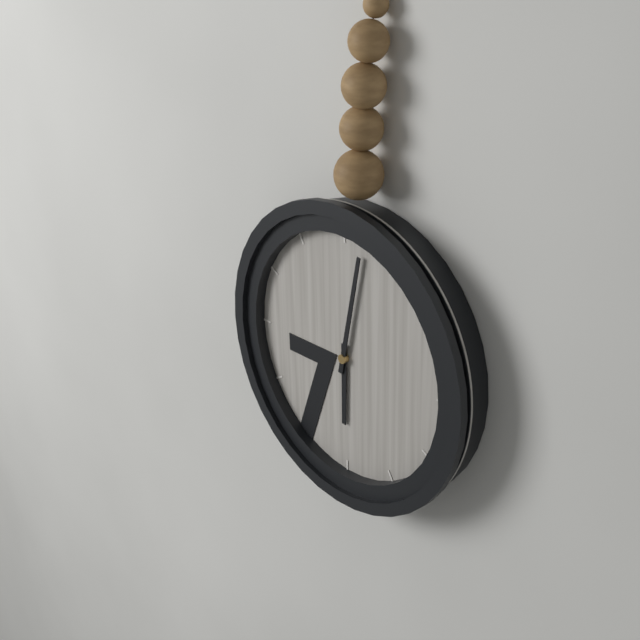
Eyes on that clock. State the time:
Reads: 6:02
